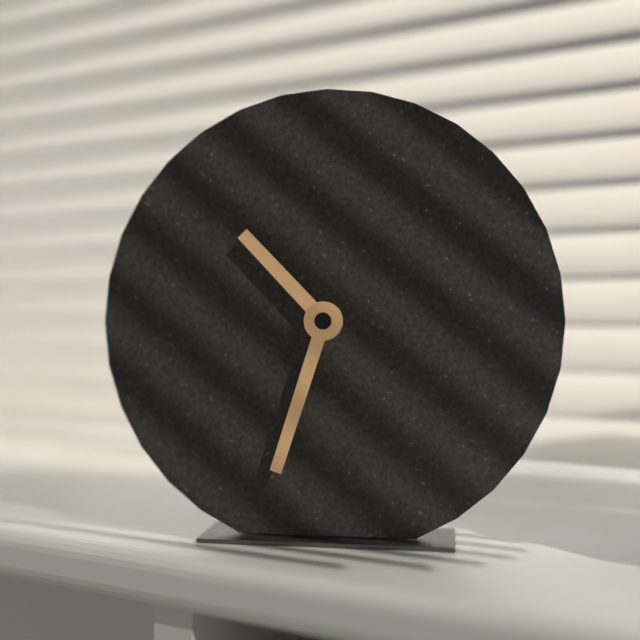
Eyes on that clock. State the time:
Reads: 10:33
